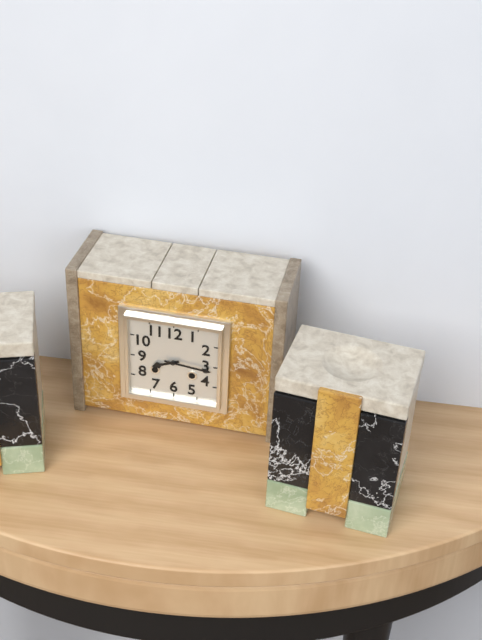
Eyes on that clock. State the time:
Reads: 8:16
